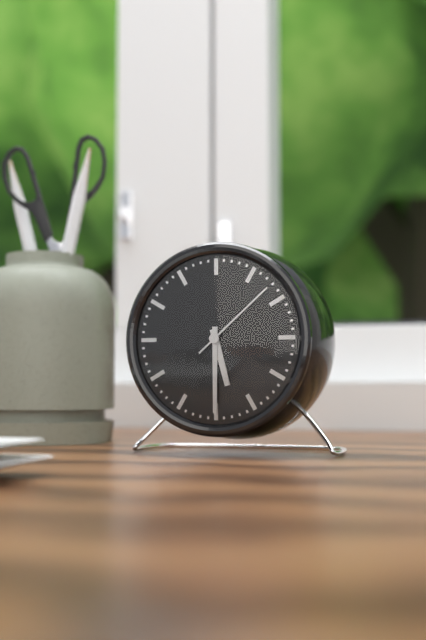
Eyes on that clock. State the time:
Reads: 5:30:08
